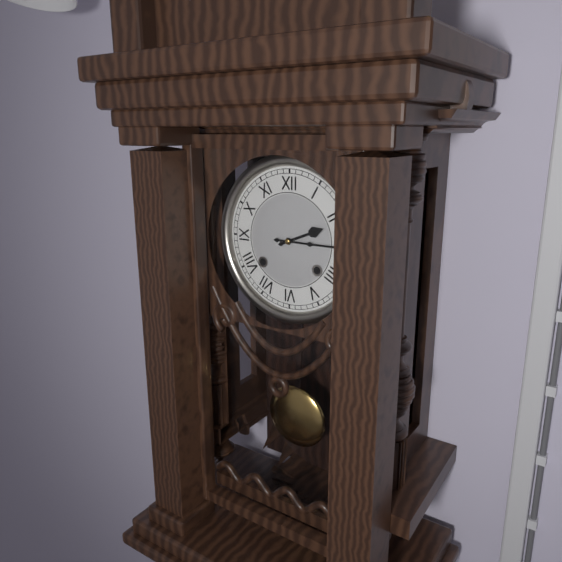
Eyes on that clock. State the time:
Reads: 2:15
